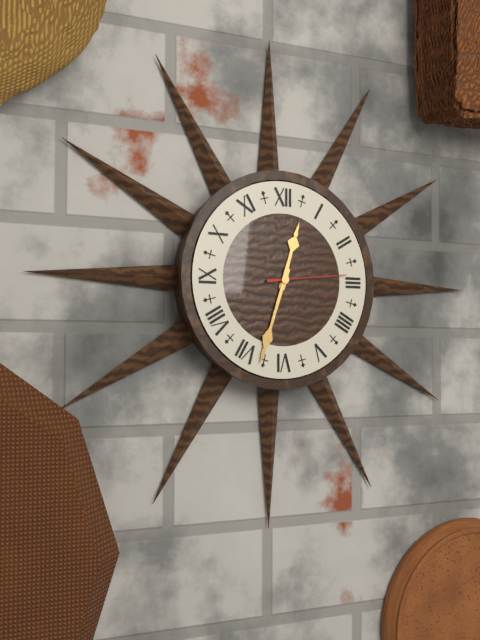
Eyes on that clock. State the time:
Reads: 12:33:14
